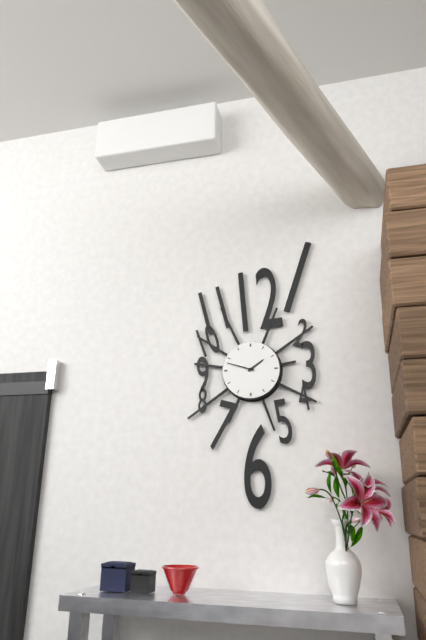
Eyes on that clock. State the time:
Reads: 1:48
